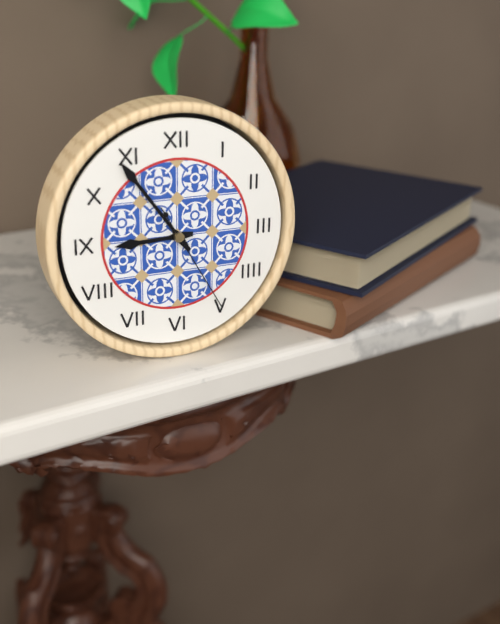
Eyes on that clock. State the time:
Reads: 8:54:25
